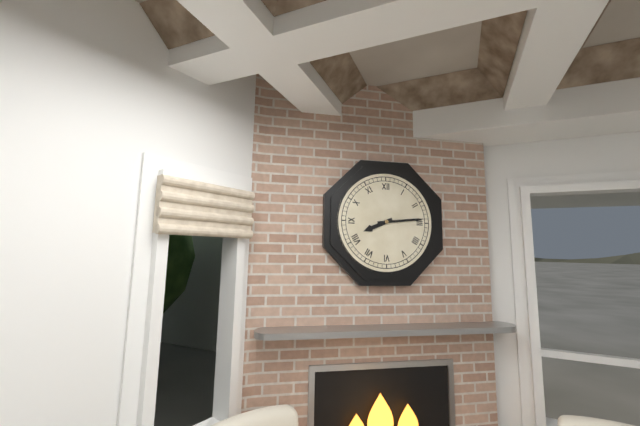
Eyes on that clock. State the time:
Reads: 8:14
